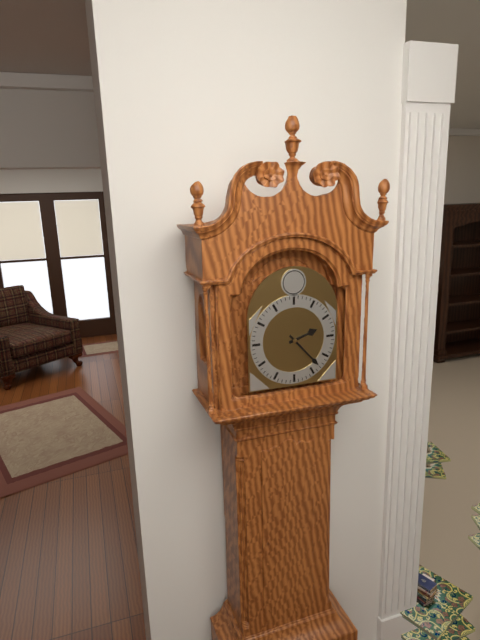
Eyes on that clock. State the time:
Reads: 2:23
